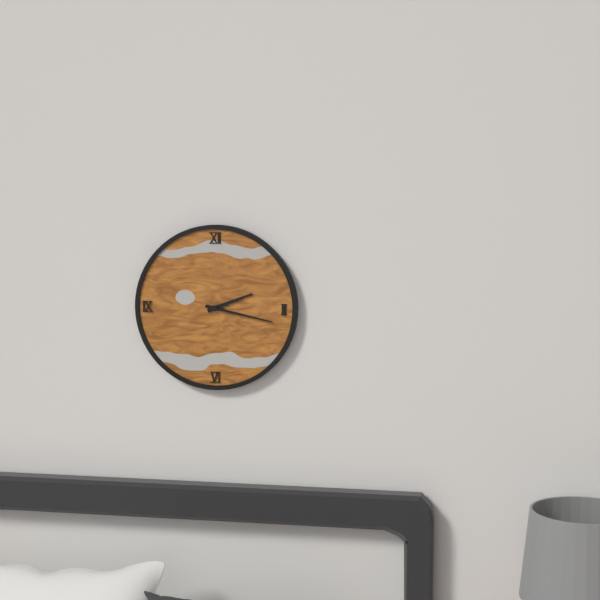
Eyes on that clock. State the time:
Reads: 2:17
